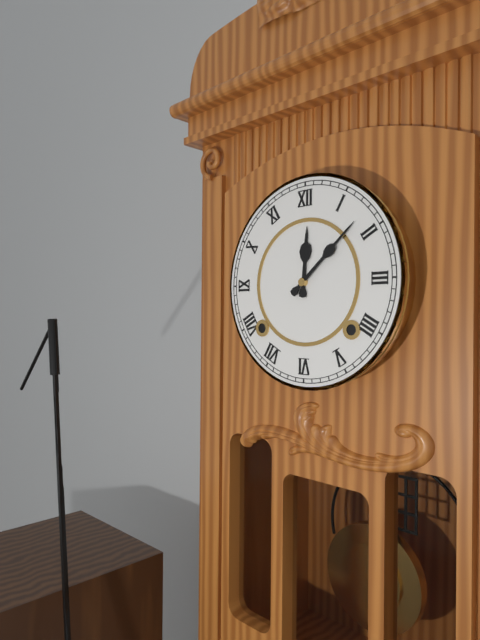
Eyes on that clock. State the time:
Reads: 12:08
